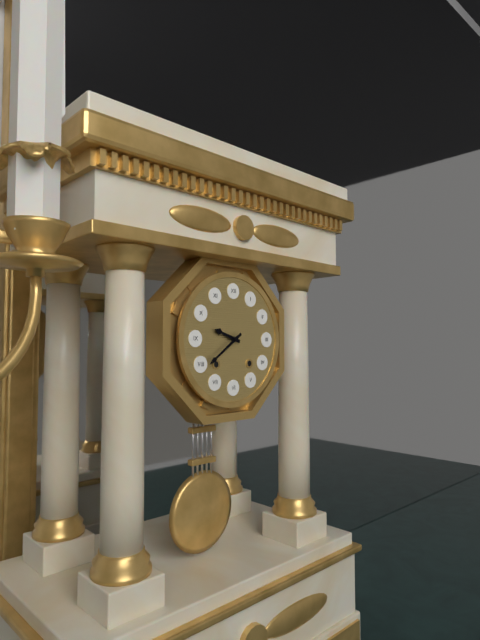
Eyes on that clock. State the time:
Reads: 9:39
